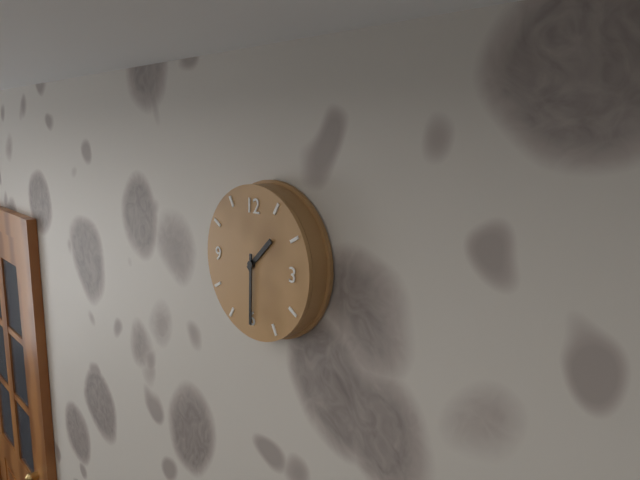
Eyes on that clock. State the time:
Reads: 1:30
